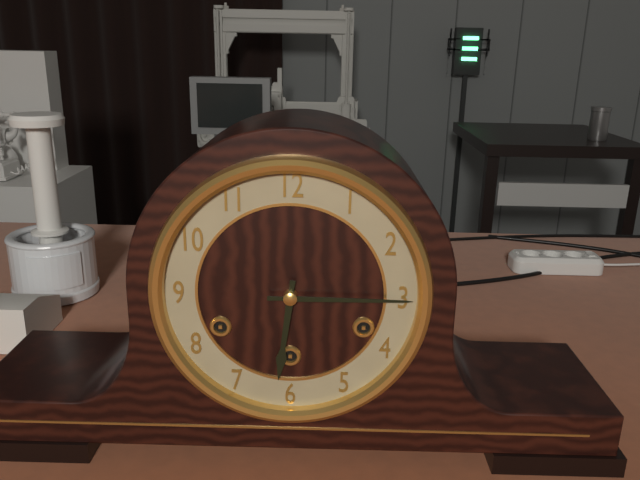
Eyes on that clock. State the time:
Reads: 6:15
